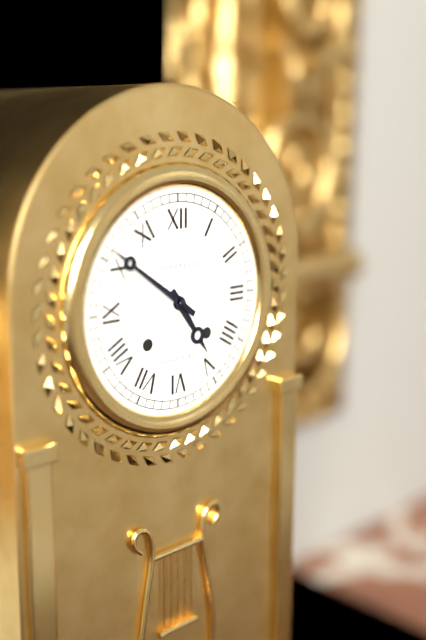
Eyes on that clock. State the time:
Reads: 4:51
